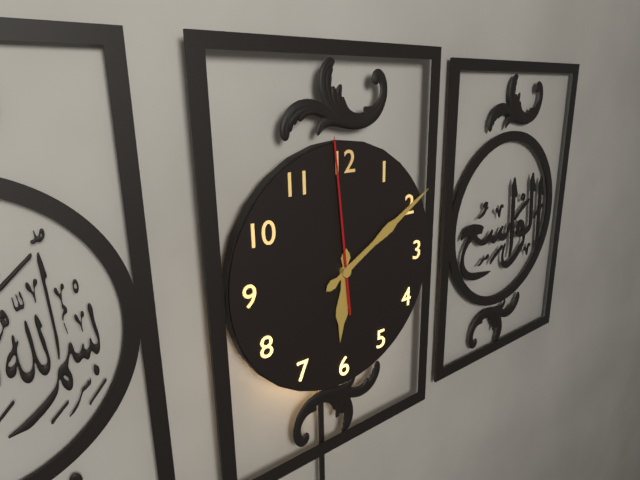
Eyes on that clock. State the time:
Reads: 6:10:59
